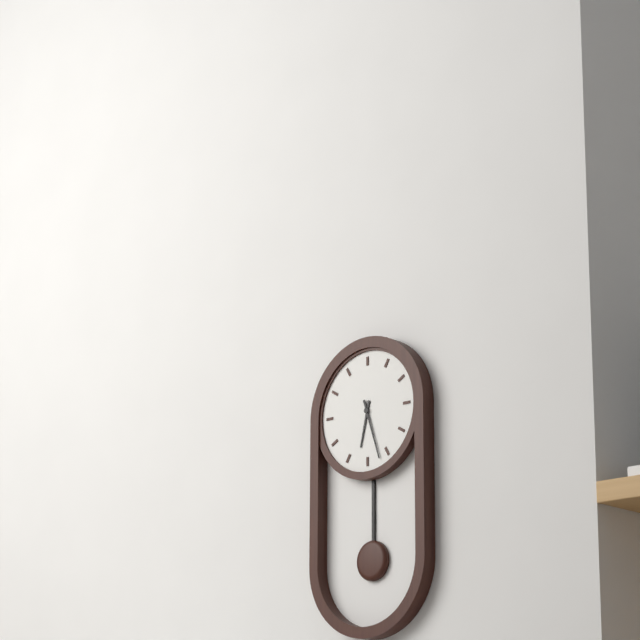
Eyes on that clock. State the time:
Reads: 6:27
